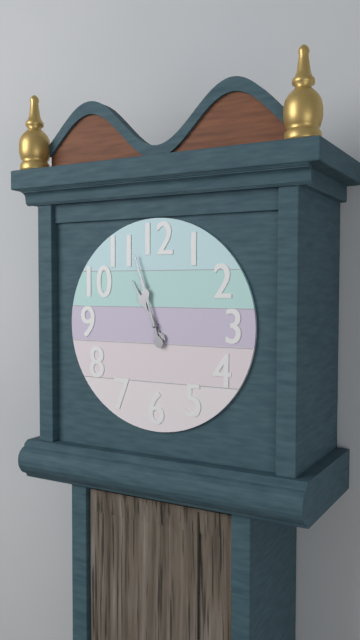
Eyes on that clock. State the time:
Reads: 10:57
